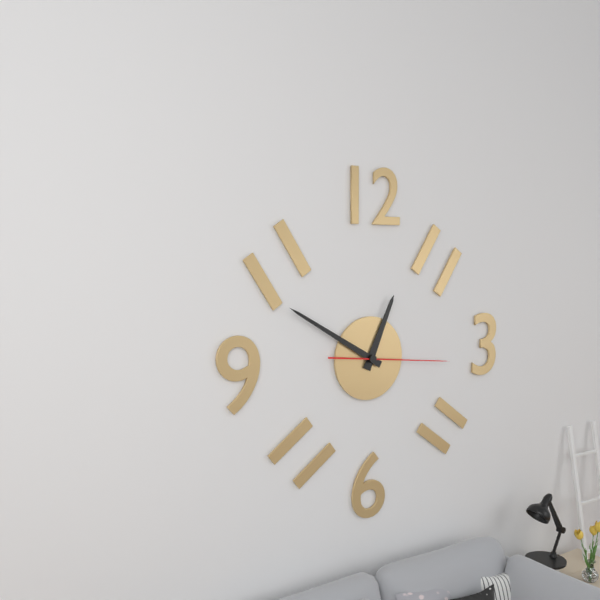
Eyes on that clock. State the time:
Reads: 12:50:16
